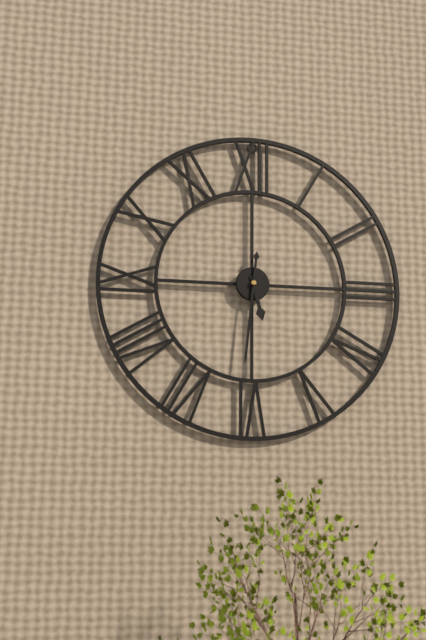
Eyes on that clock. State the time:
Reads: 5:31
